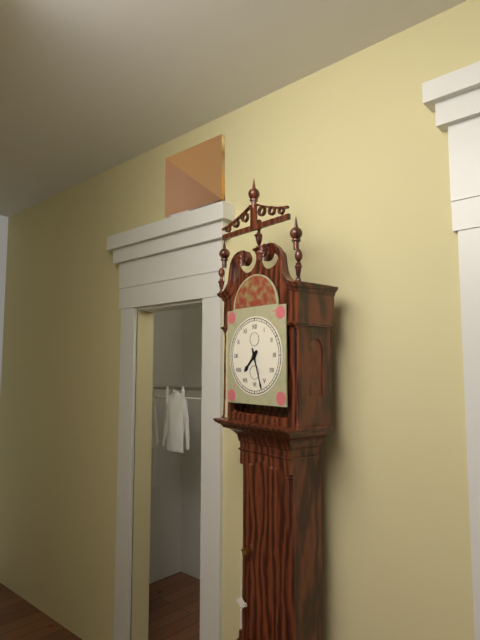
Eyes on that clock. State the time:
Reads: 7:27
